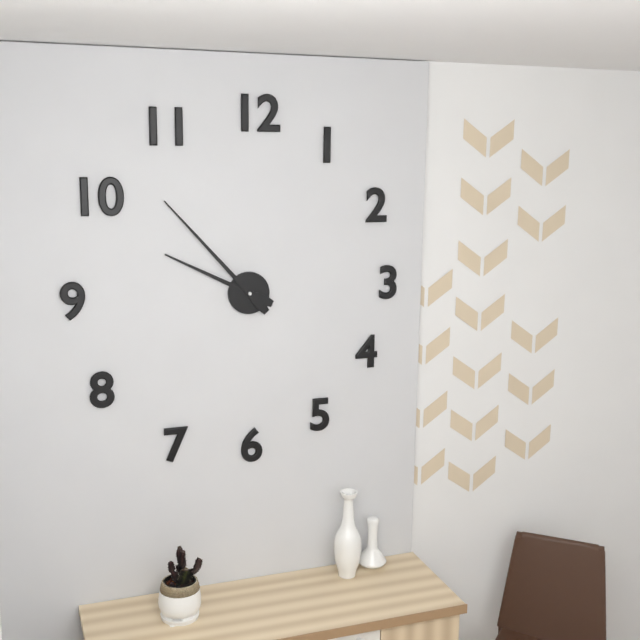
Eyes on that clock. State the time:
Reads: 9:53
